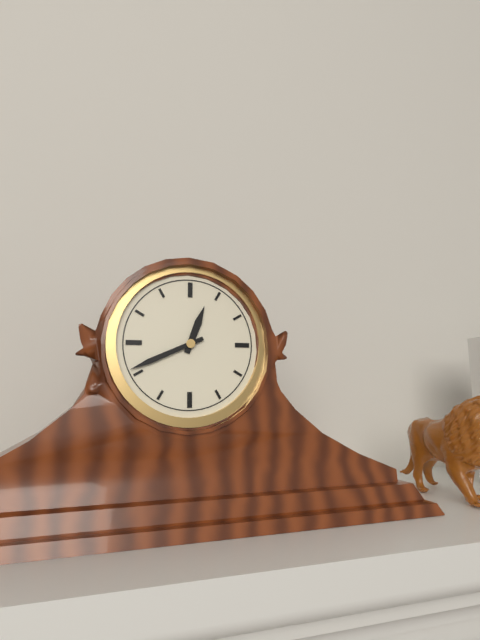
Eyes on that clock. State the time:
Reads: 12:41
